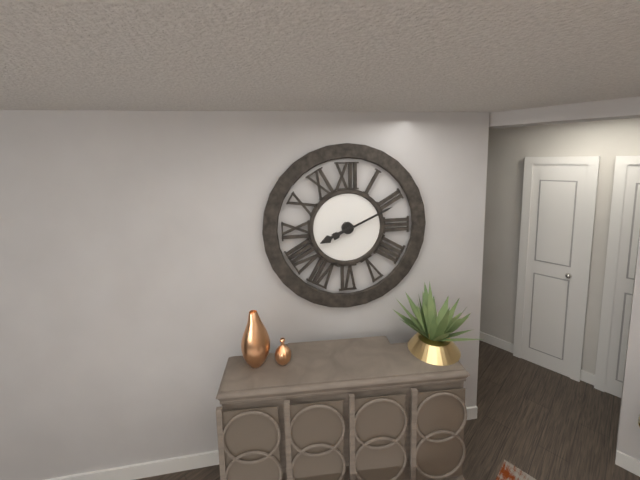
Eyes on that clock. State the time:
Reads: 8:11
